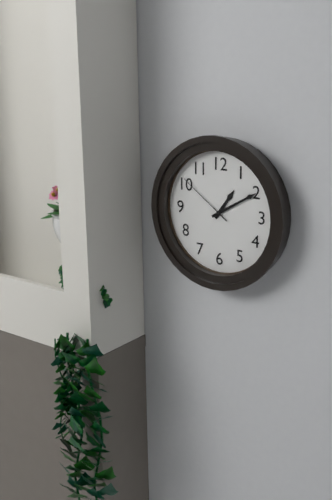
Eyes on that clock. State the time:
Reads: 1:10:51
